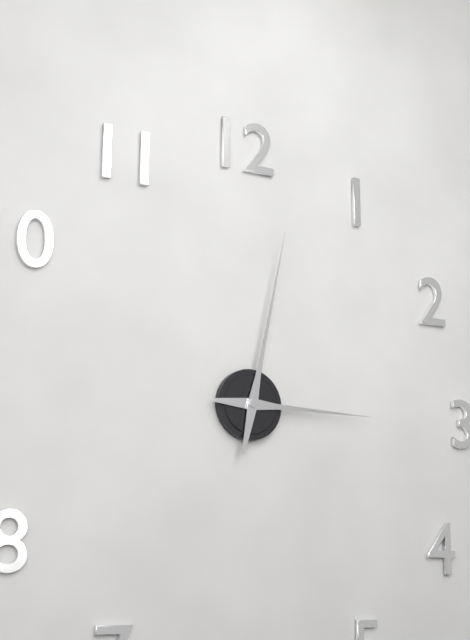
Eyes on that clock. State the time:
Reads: 3:02
